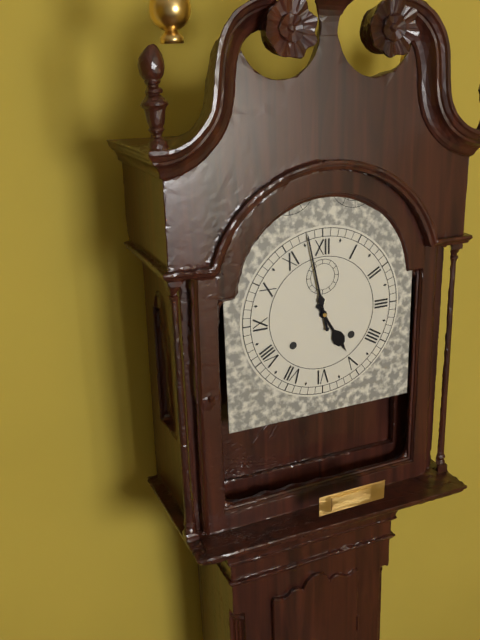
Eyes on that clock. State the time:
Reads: 4:58
